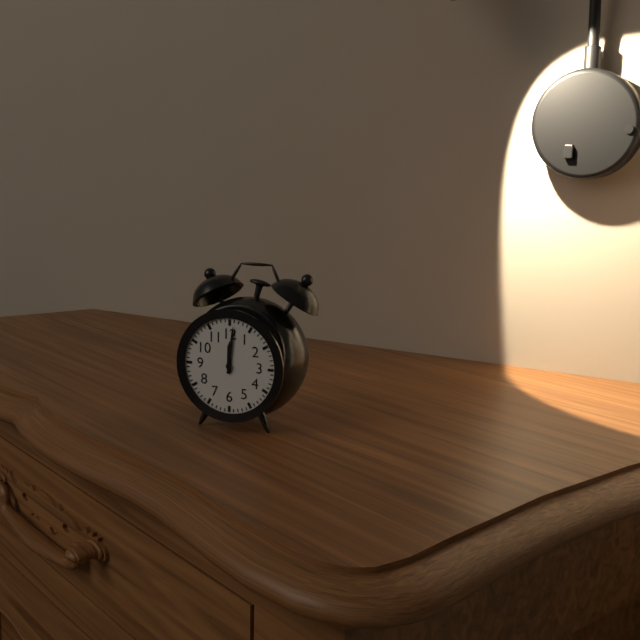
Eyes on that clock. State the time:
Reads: 12:01
